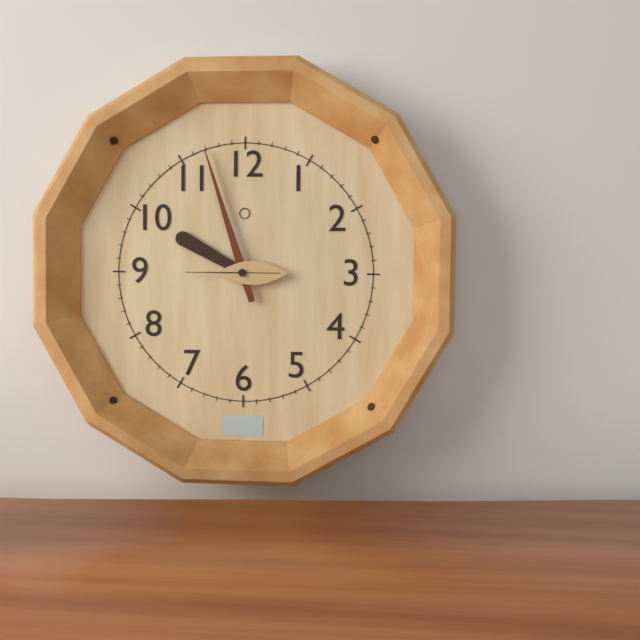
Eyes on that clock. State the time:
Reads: 9:57:45
